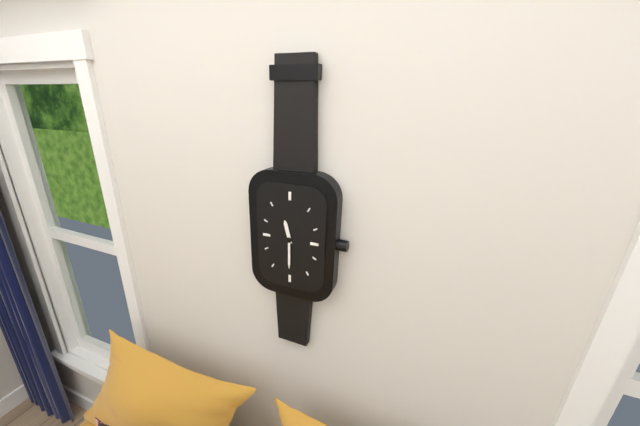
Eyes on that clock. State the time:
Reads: 11:30
